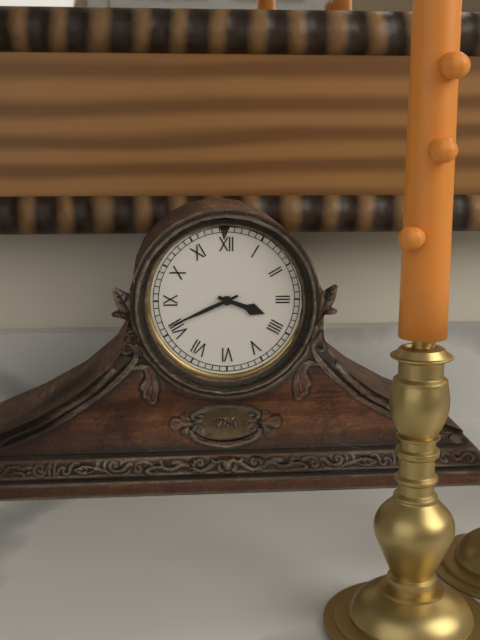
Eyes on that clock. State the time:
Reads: 3:41
